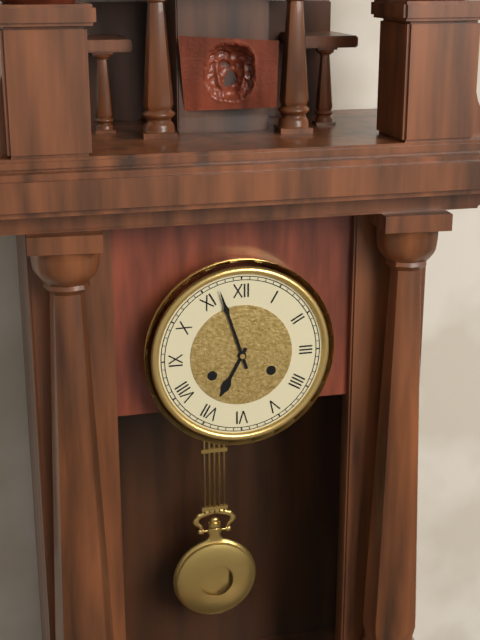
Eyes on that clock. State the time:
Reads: 6:57
